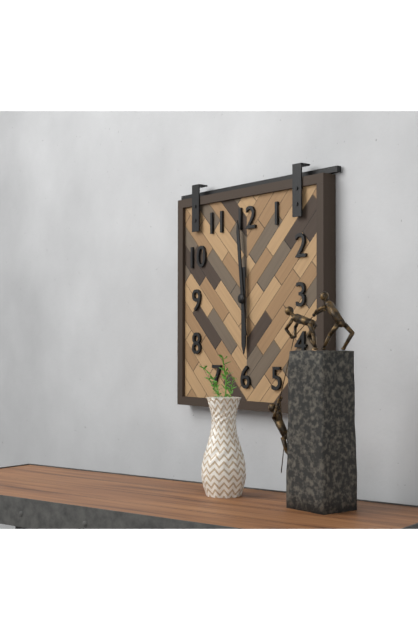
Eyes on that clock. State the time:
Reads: 5:59
